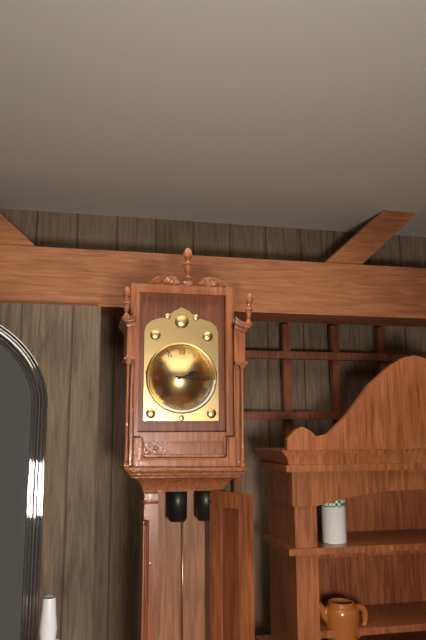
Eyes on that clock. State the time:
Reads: 2:16
